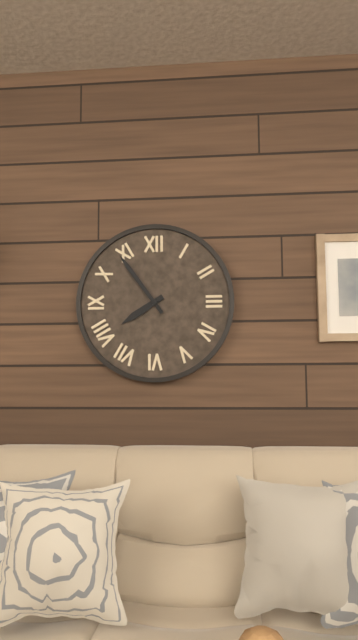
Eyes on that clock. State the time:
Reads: 7:54
